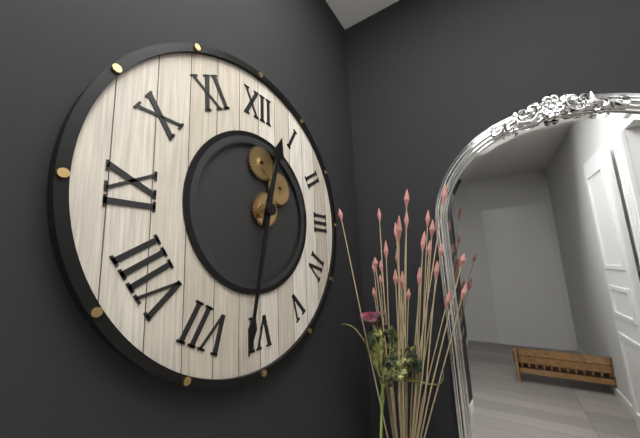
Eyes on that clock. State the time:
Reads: 12:32
